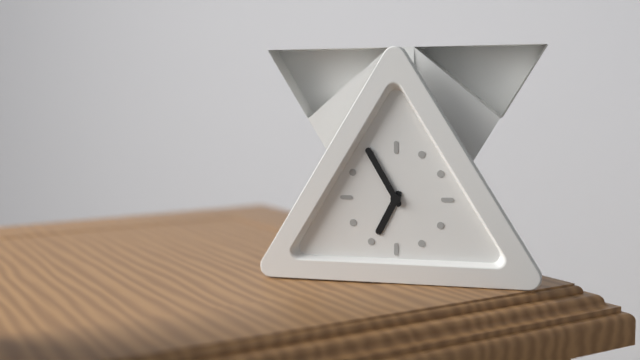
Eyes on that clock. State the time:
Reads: 6:55
